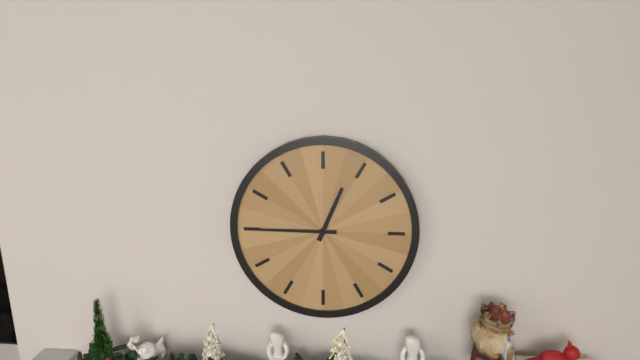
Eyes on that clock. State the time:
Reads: 12:45
